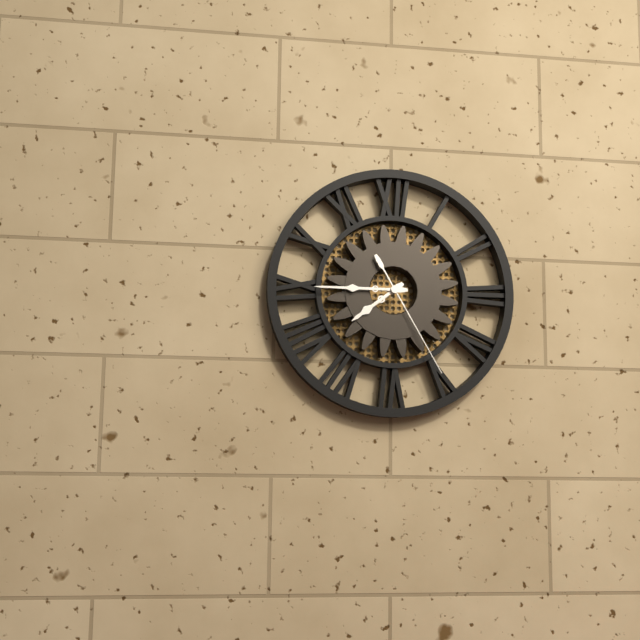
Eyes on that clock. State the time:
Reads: 7:45:25
